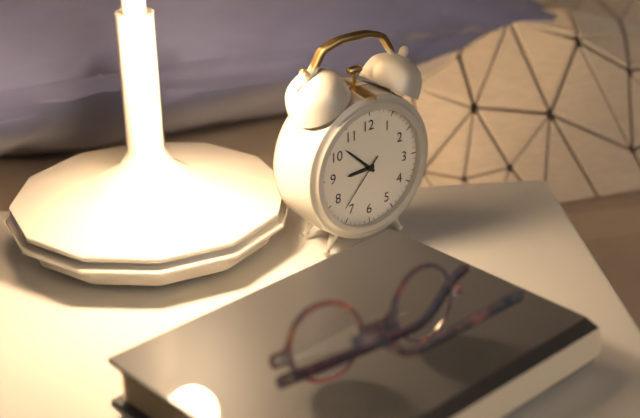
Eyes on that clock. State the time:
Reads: 8:52:37
